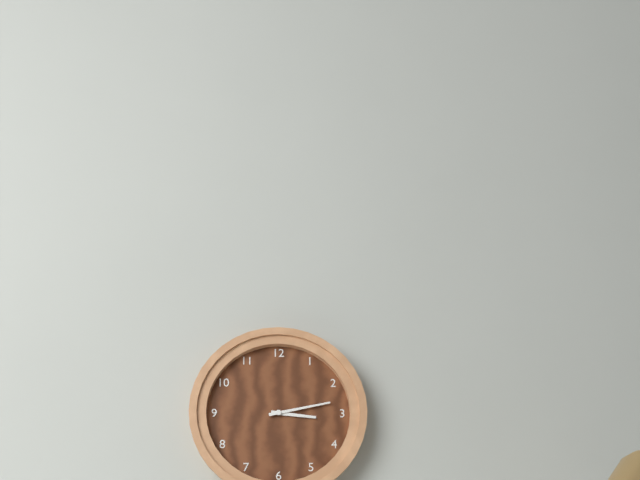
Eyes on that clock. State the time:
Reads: 3:13
